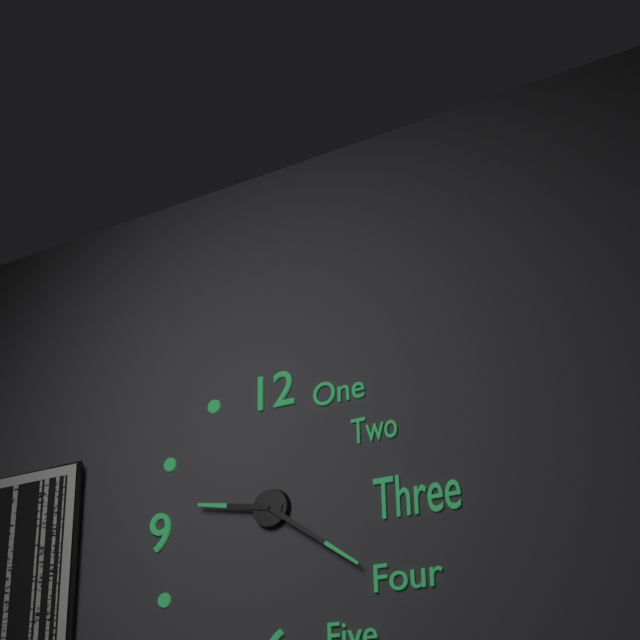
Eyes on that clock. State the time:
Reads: 9:21
